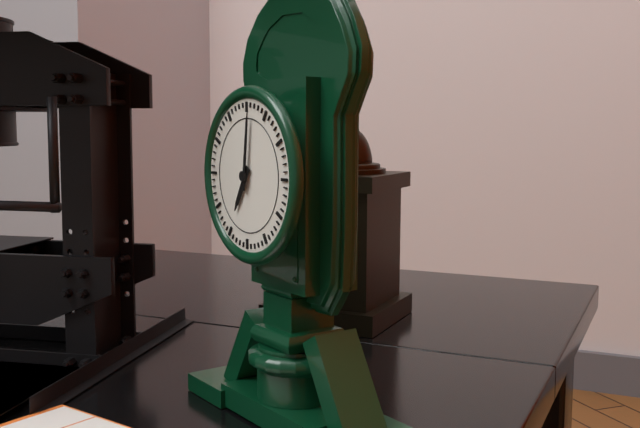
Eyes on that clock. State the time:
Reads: 7:01
